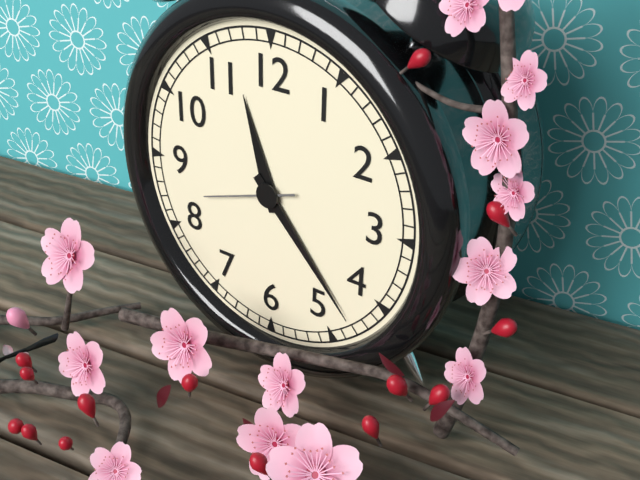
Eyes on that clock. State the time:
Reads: 11:23:42
